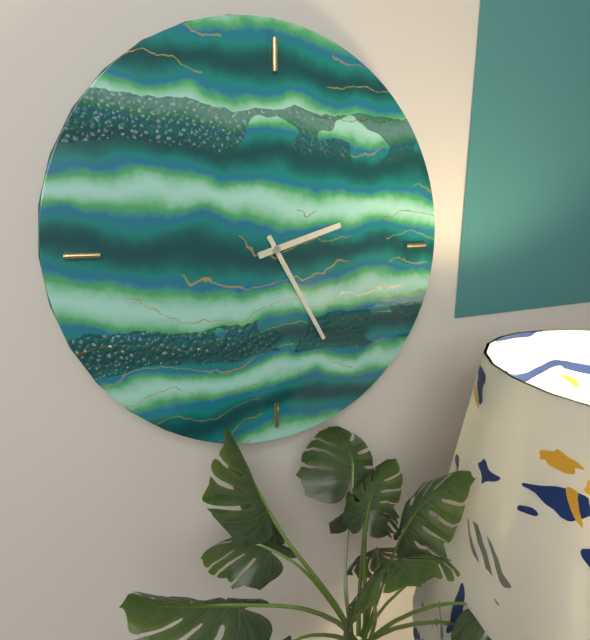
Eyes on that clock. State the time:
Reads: 2:25
